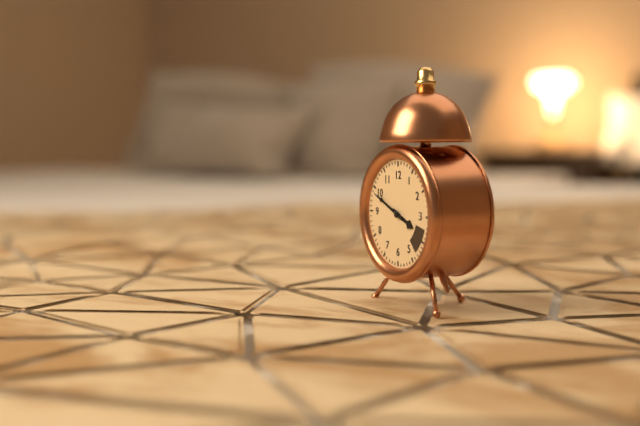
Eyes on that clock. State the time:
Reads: 3:49
